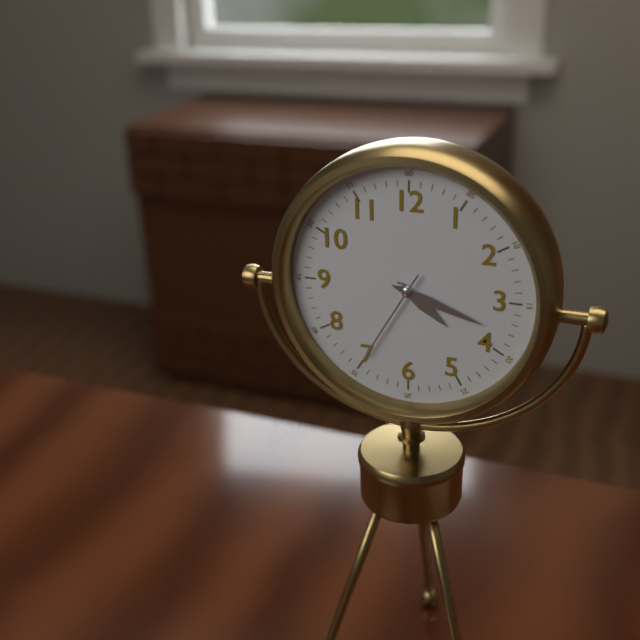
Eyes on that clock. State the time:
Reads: 4:18:35
